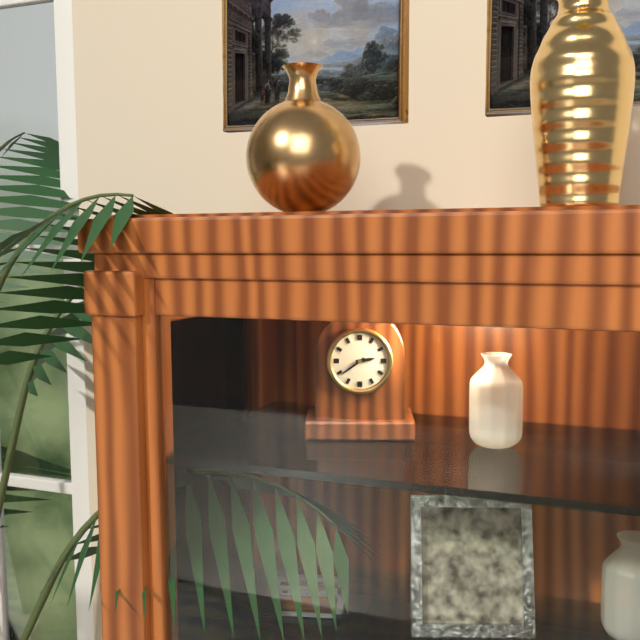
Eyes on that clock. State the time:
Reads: 2:39
